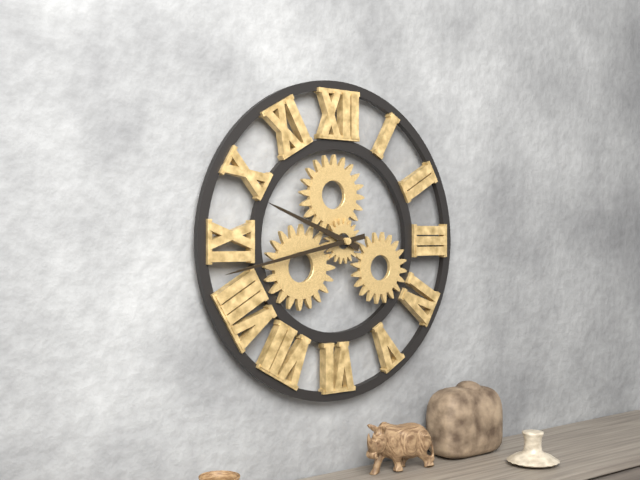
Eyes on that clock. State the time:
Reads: 9:43
